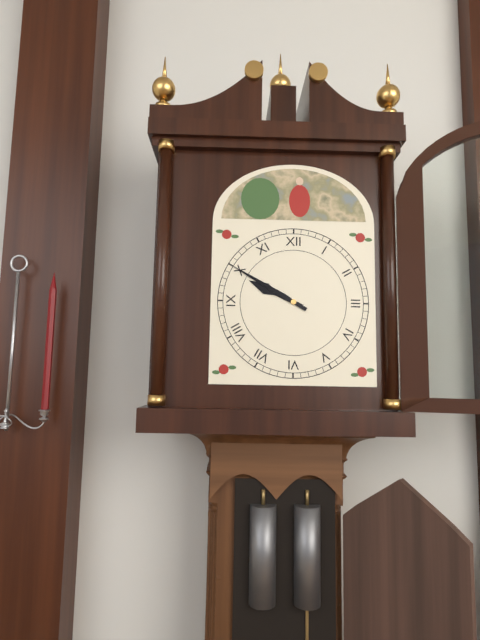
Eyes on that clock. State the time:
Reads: 9:50
